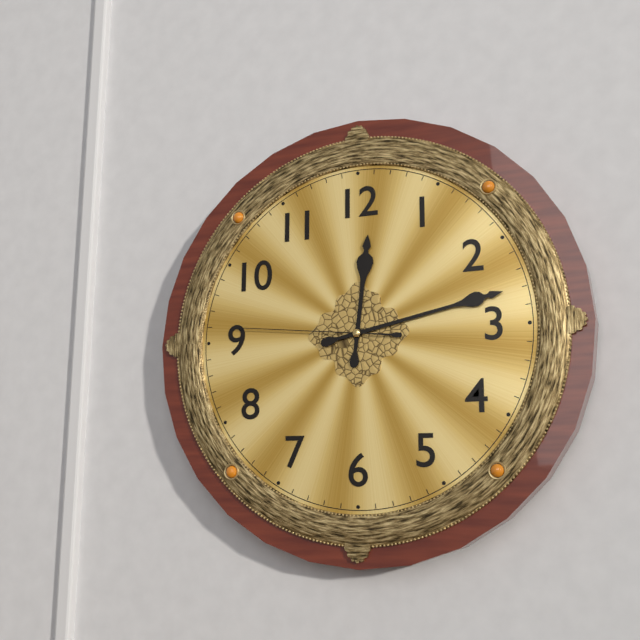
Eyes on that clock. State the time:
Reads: 12:13:46
